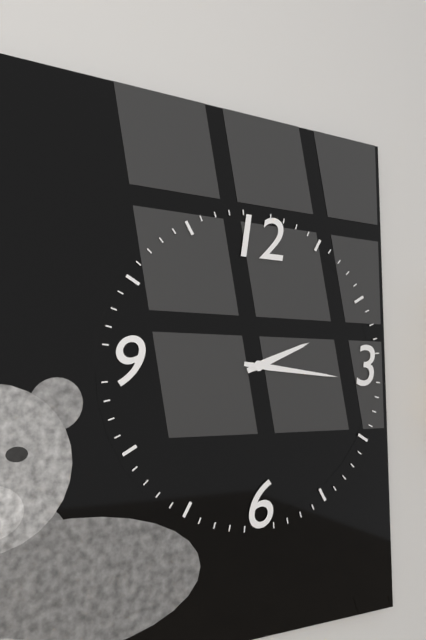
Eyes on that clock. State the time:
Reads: 2:16
